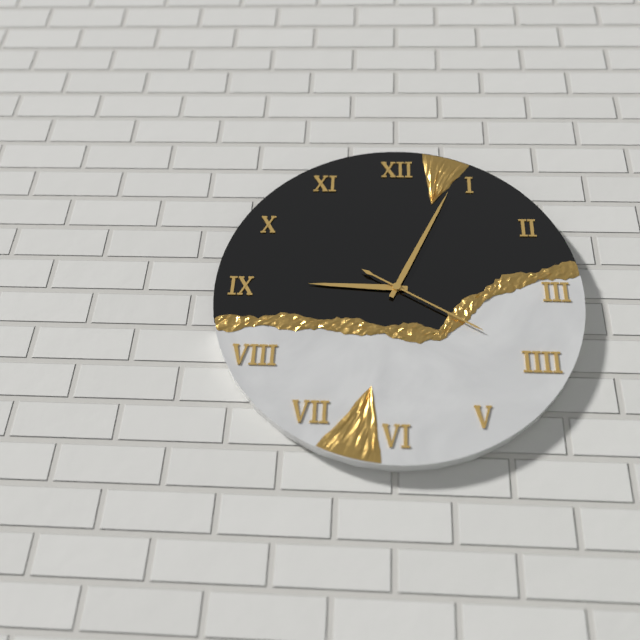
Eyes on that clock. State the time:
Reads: 9:04:20
